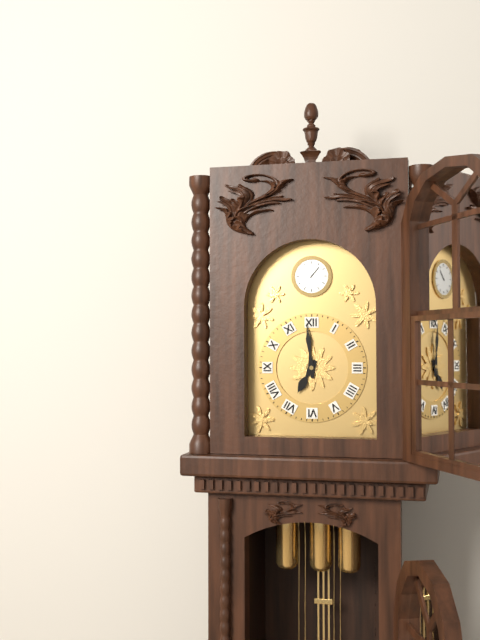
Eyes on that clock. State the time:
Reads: 6:59
